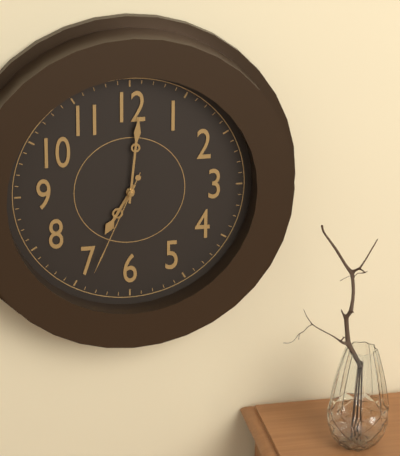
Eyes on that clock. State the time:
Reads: 7:01:34
